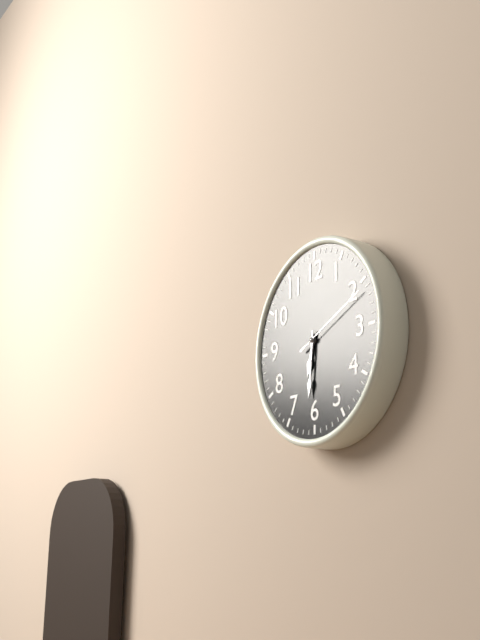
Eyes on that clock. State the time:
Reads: 6:31:11
